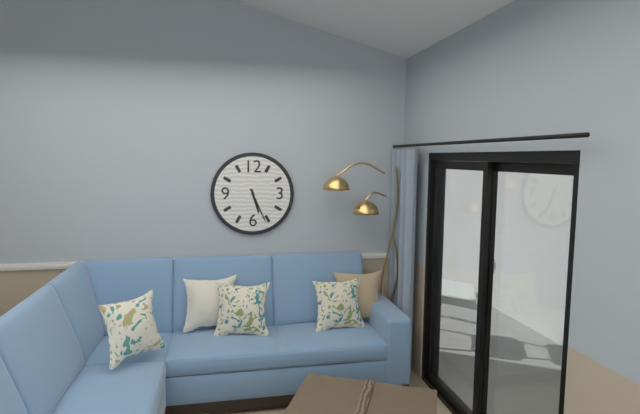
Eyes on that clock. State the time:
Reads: 5:26
